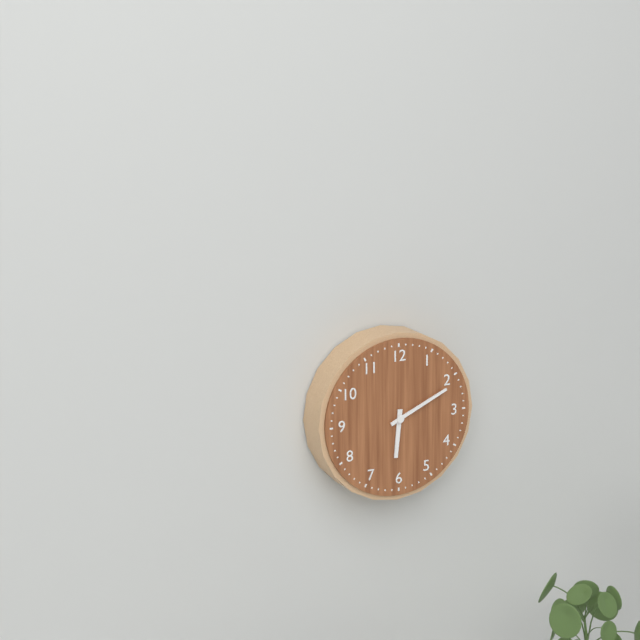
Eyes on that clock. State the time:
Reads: 6:11
